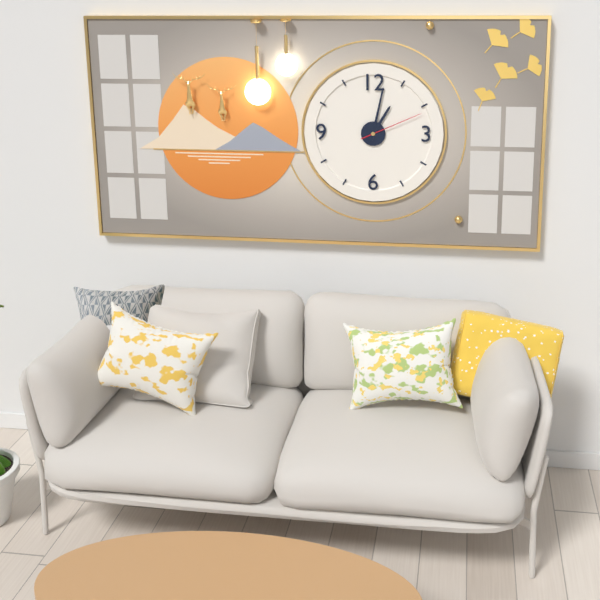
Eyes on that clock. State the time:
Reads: 1:02:11
